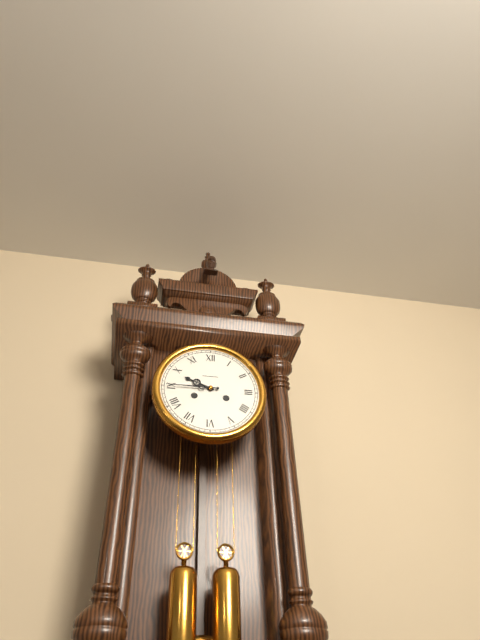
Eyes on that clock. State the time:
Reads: 9:45
